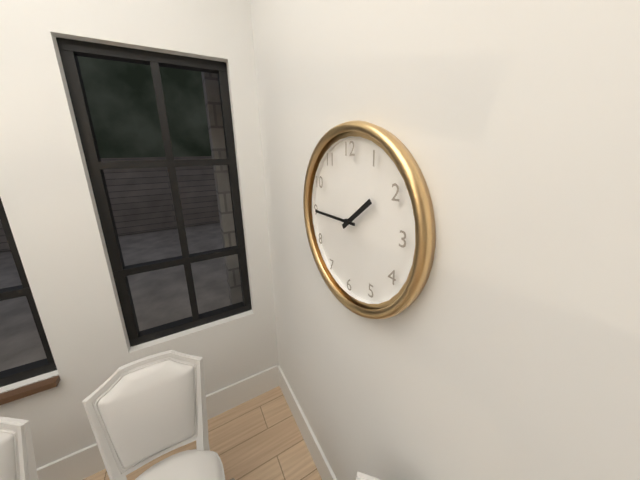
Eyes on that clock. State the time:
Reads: 1:45
